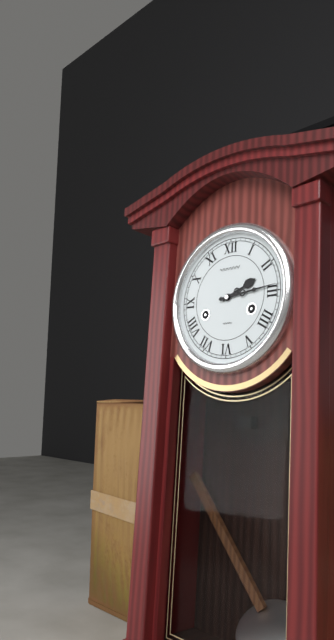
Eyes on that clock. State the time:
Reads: 2:14
